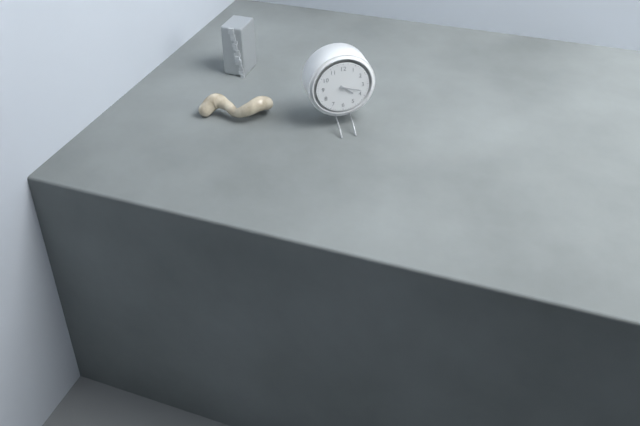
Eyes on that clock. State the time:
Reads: 4:18
